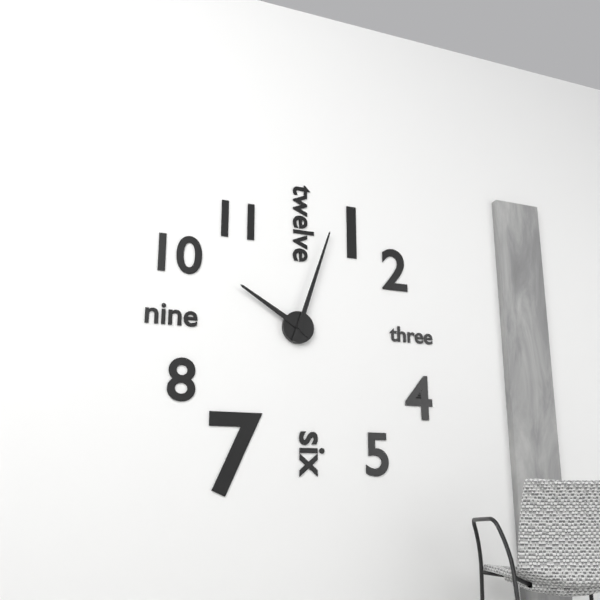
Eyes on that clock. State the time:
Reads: 10:03
